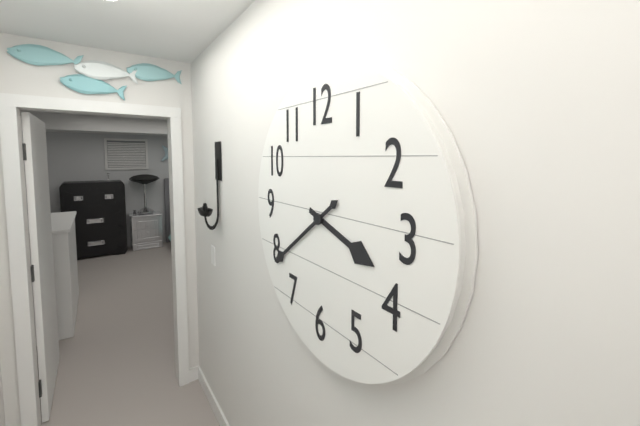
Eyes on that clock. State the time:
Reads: 3:39
